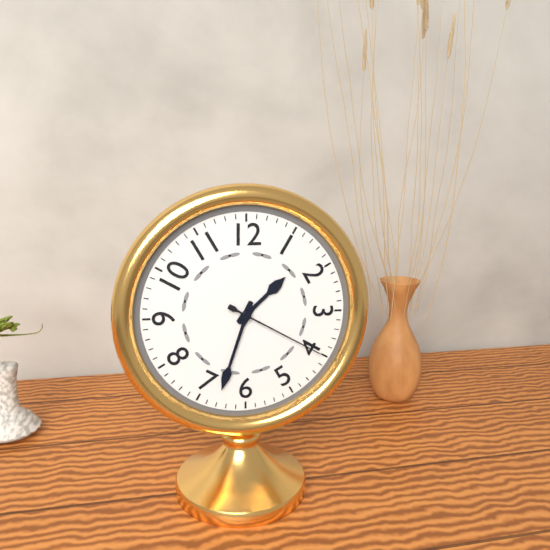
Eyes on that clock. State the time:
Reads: 1:33:20
